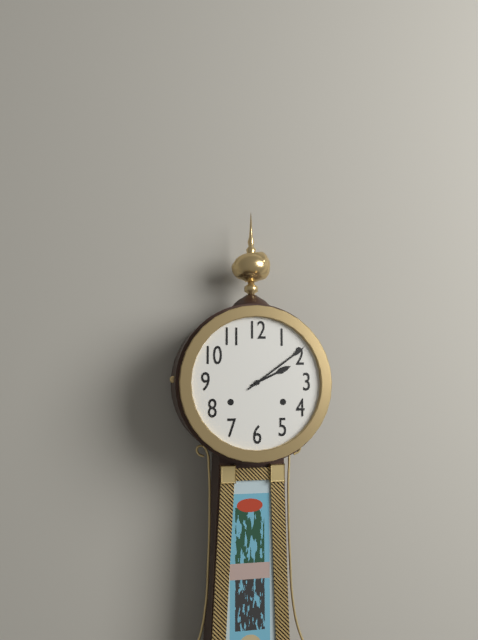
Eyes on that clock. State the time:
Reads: 2:09
